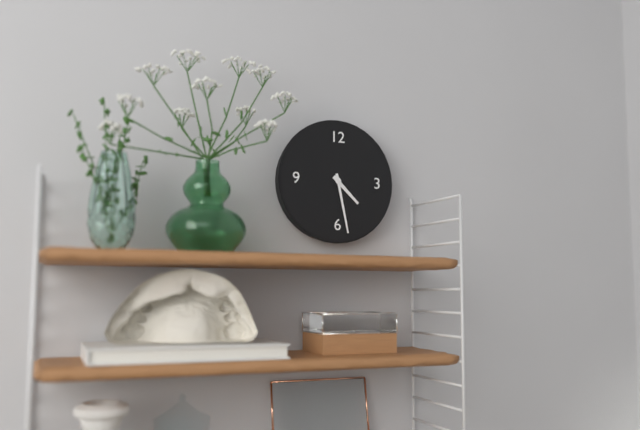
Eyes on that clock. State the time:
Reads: 4:28
